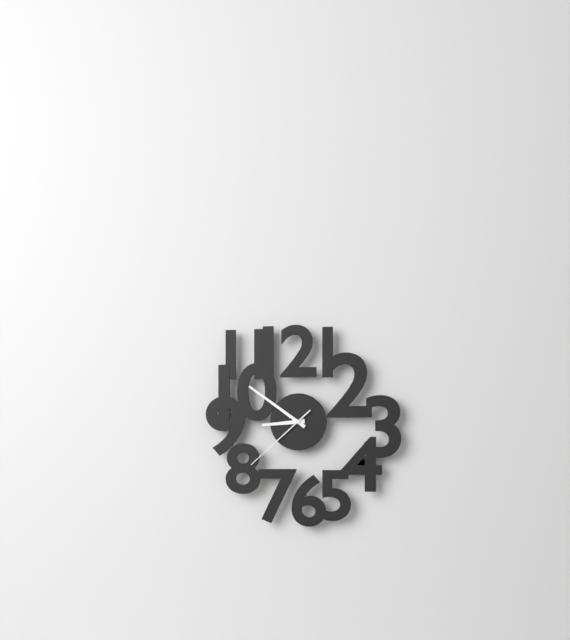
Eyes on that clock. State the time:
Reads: 8:51:38
